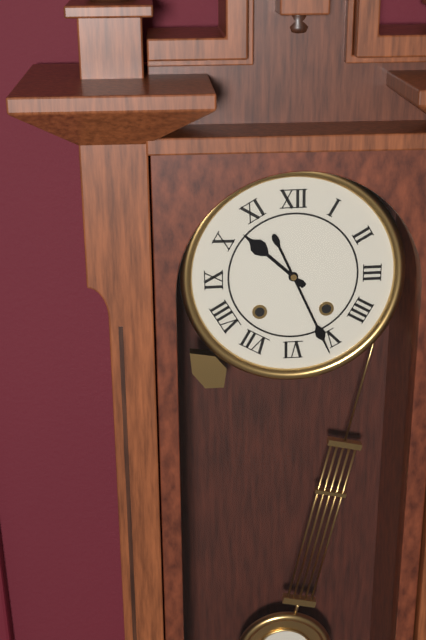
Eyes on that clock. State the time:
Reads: 10:26
